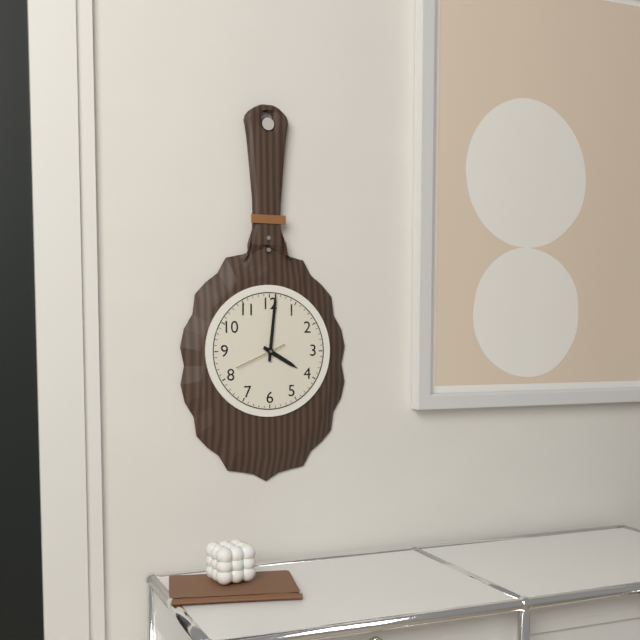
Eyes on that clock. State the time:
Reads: 4:01
